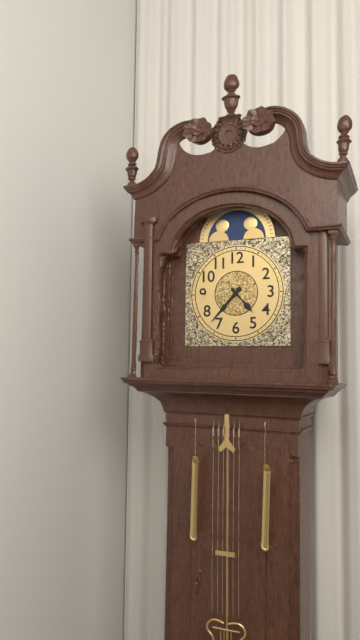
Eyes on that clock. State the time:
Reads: 4:37
